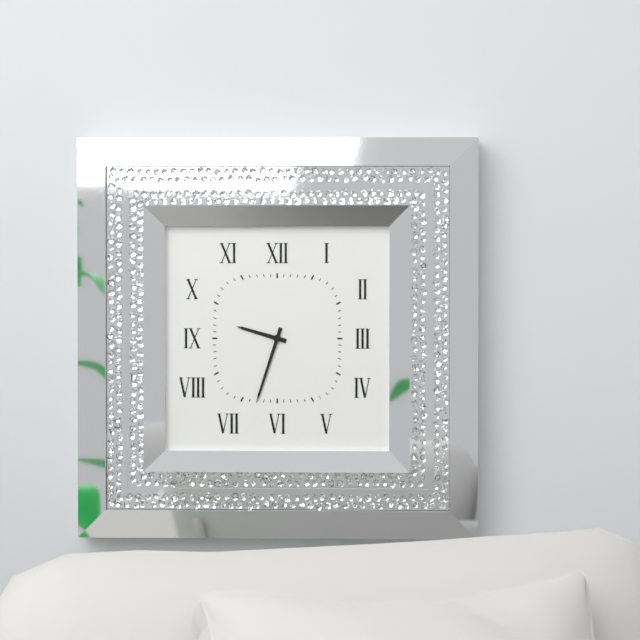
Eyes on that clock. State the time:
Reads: 9:33
